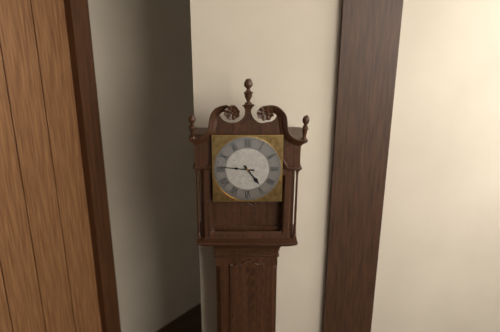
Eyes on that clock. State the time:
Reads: 4:46
